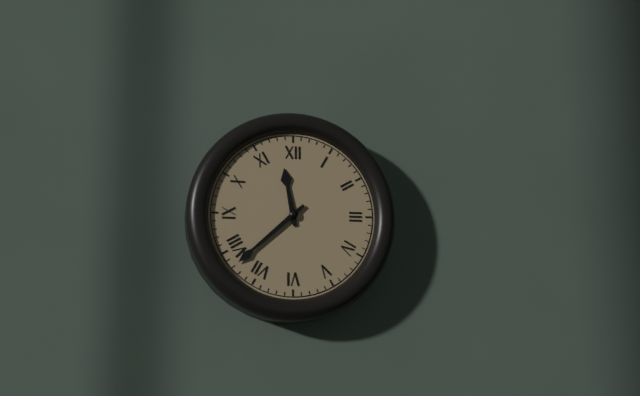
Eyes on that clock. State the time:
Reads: 11:38
